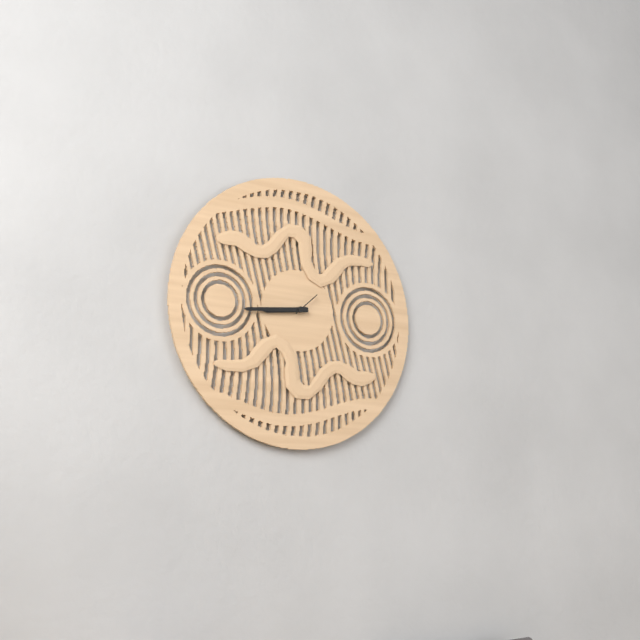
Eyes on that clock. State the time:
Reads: 8:44
